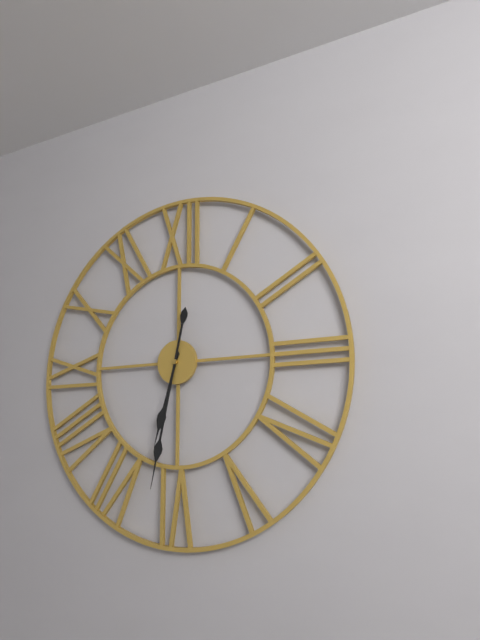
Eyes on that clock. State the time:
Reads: 6:32
